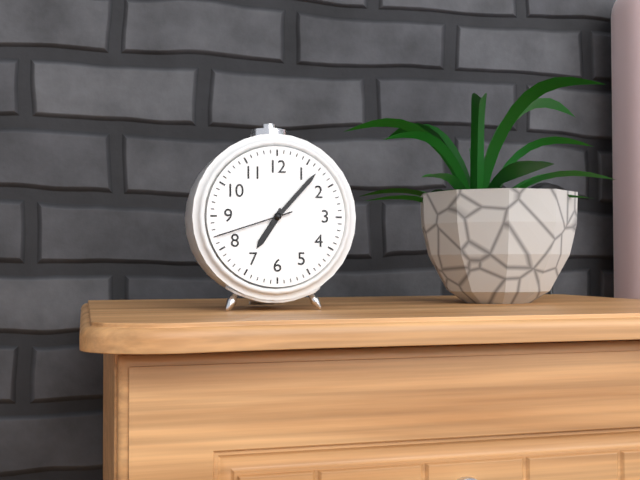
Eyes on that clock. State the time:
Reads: 7:07:42
